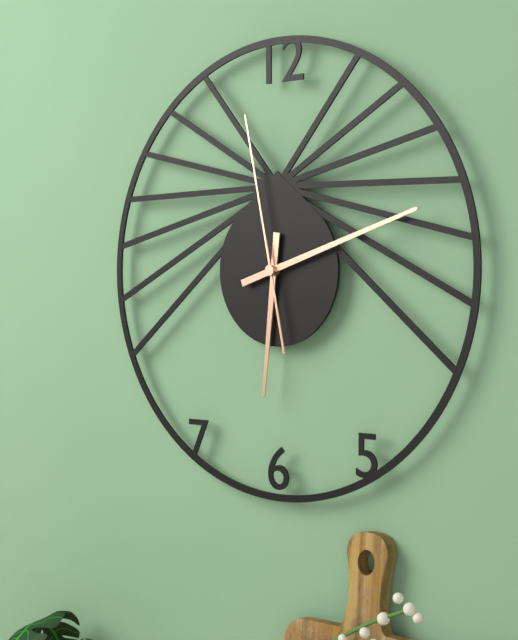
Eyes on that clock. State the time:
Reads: 6:12:58
